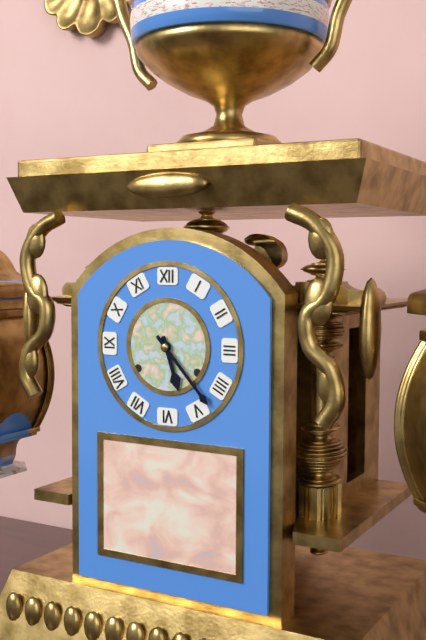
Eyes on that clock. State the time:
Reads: 5:23
